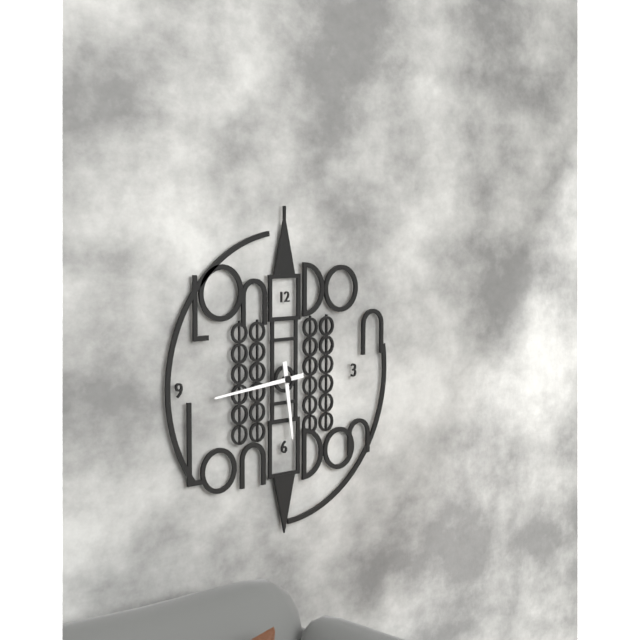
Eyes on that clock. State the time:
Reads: 5:44
